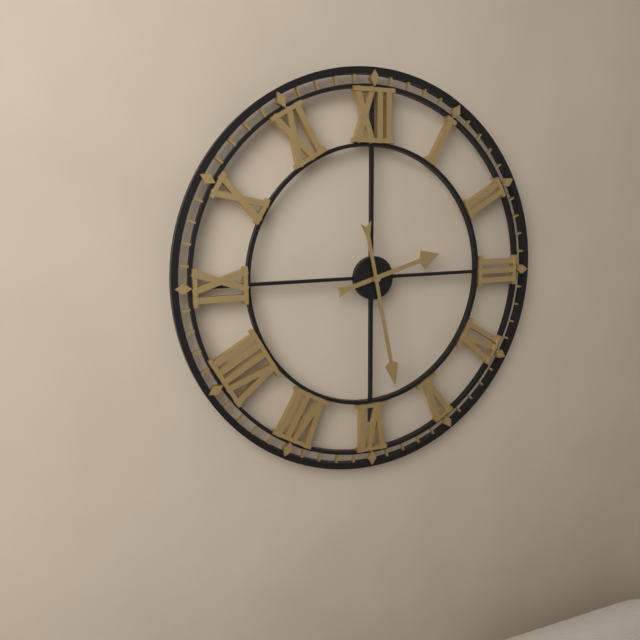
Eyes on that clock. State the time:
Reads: 2:28
